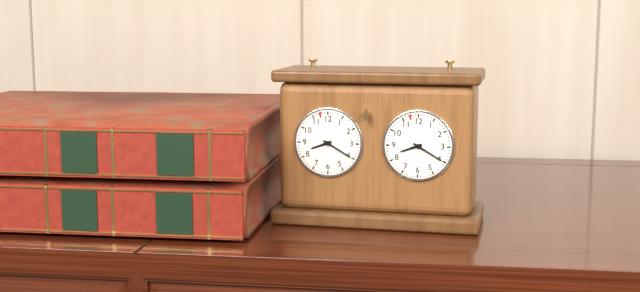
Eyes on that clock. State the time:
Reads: 8:20
